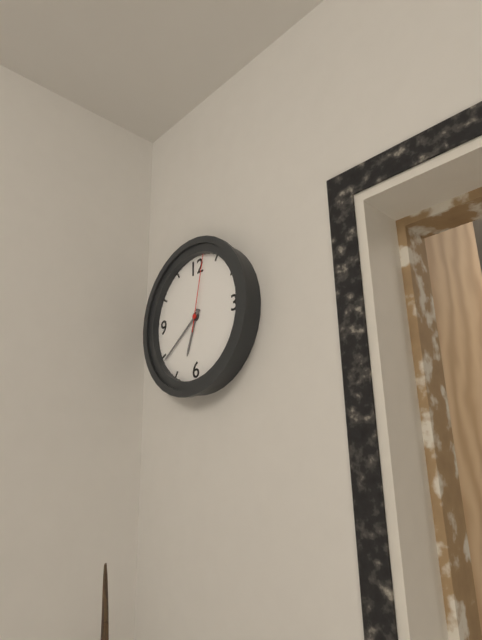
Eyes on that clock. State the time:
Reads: 6:39:02
